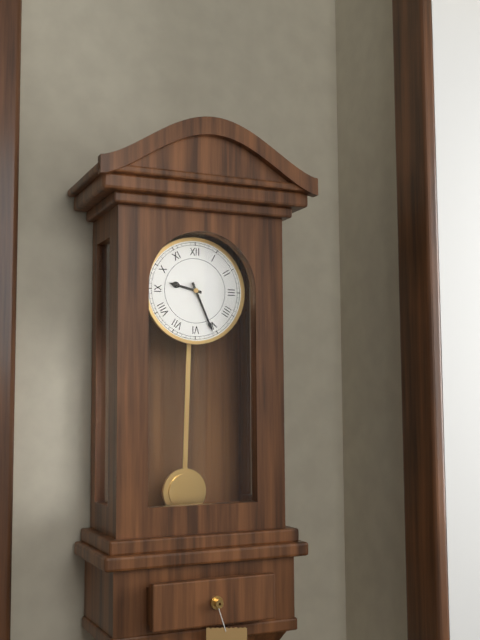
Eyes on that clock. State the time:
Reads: 9:26
